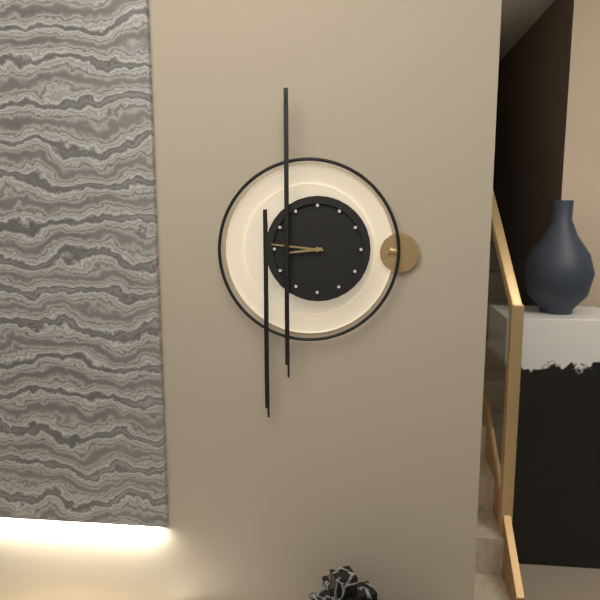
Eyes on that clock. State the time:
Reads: 8:46
